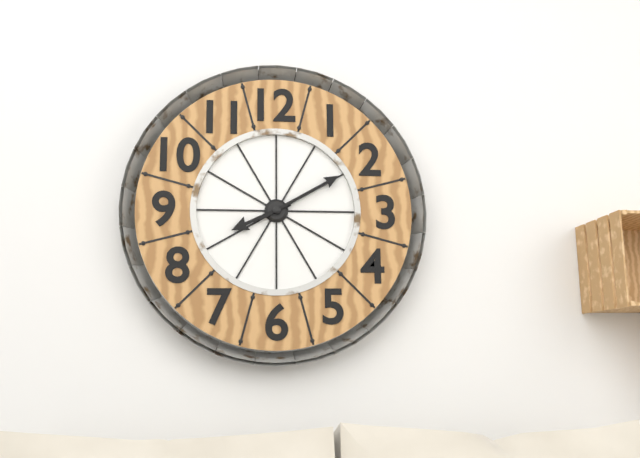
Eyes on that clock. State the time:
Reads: 8:10
